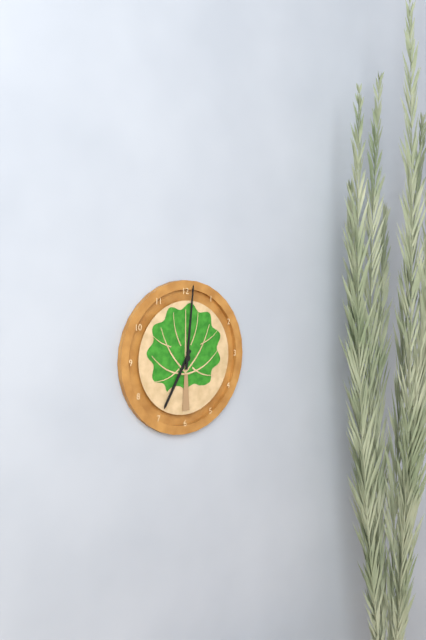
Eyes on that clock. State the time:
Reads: 7:01
